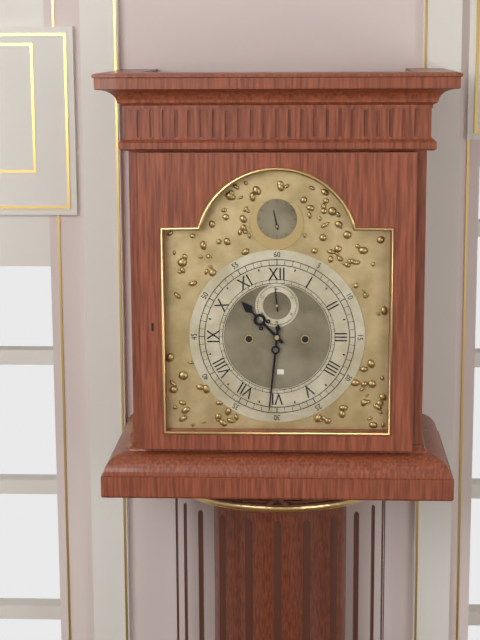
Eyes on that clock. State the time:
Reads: 10:31
